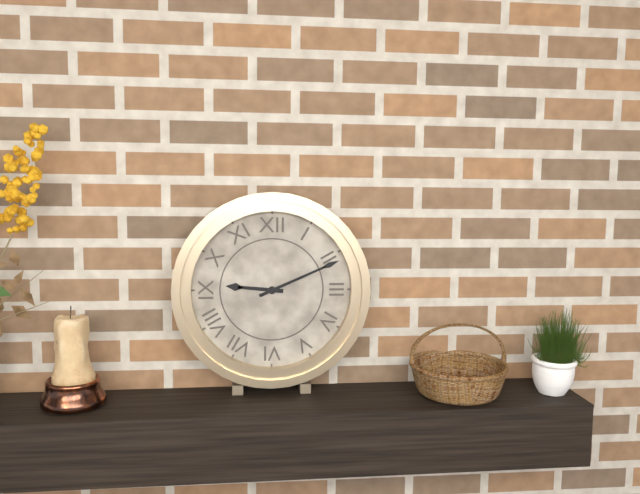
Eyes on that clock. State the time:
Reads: 9:11
